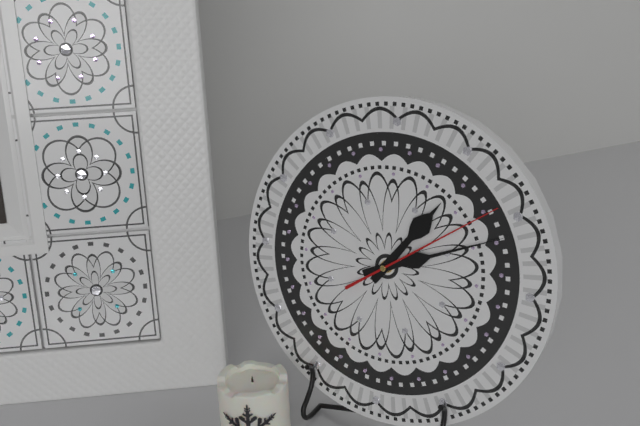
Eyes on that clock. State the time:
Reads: 1:11:09
